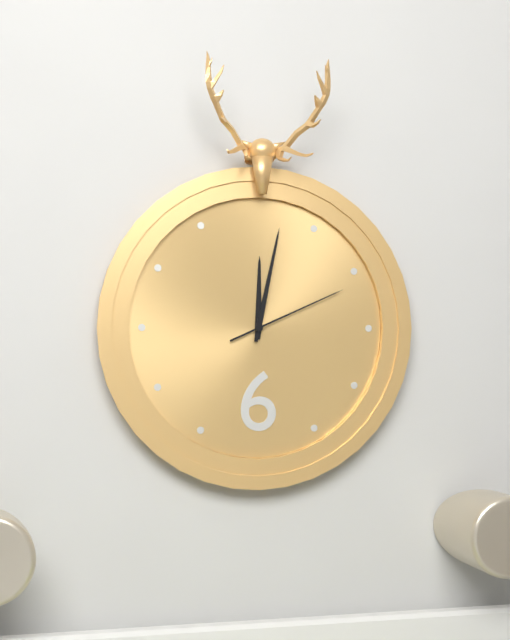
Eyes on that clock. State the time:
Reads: 12:02:11
